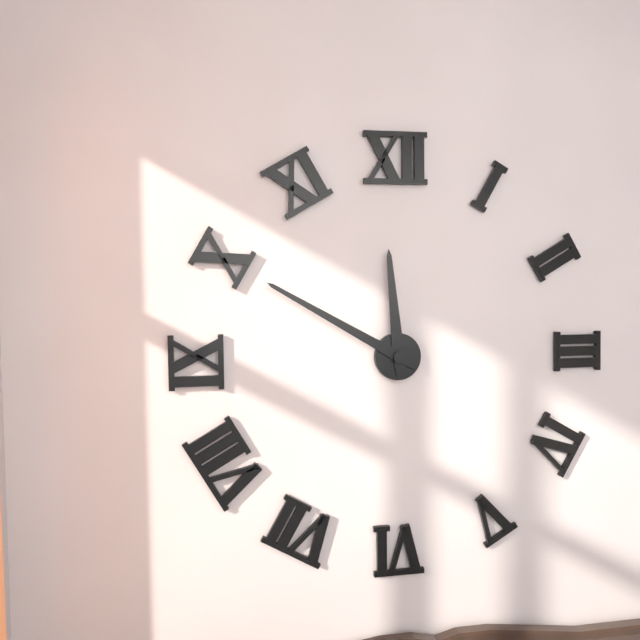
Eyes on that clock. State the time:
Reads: 11:50
